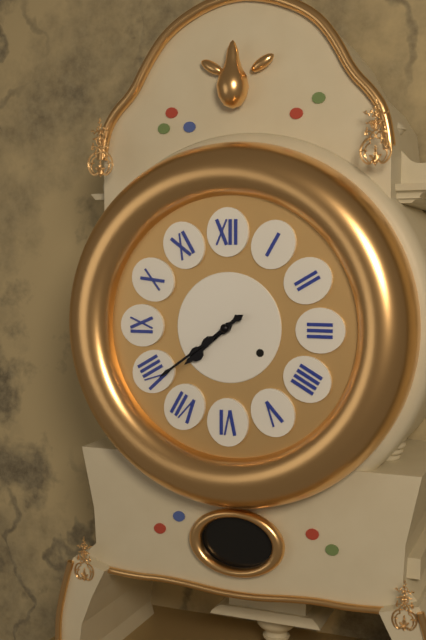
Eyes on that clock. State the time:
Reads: 7:39
